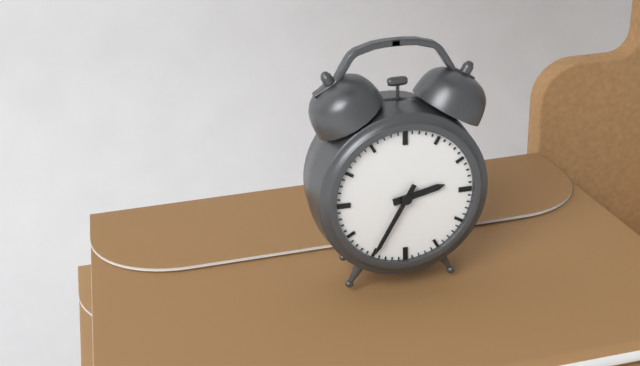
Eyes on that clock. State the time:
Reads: 2:35
